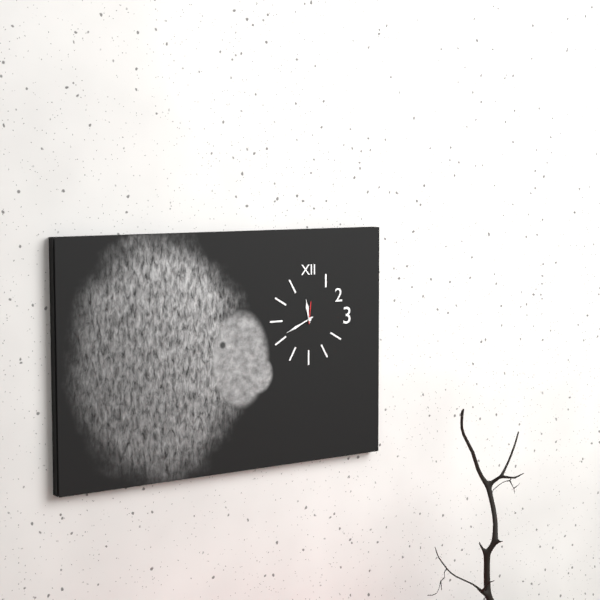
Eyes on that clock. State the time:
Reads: 11:41
